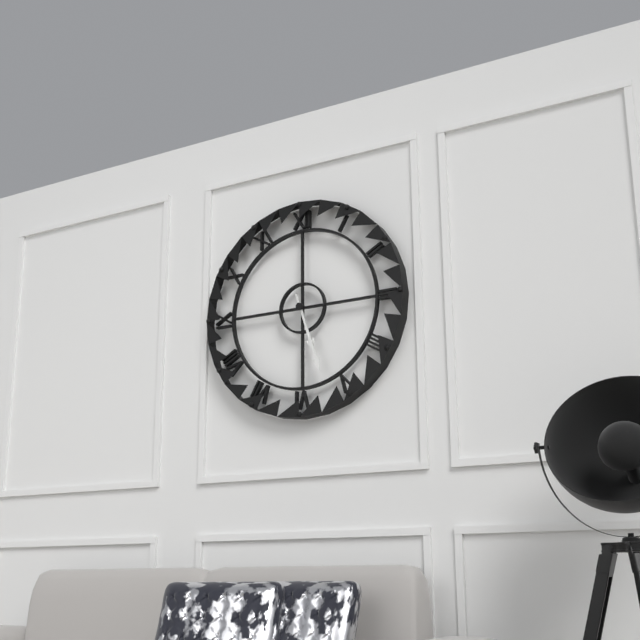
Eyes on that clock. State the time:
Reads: 5:27
